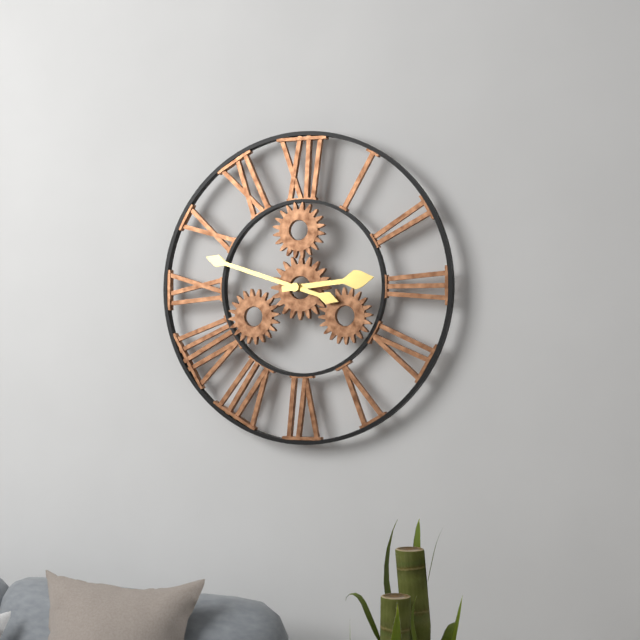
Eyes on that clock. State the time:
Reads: 2:48
